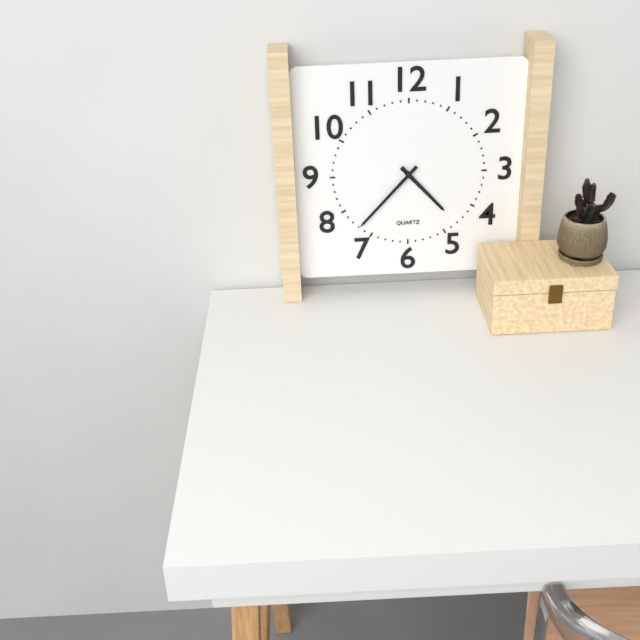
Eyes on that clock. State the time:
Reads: 4:37
